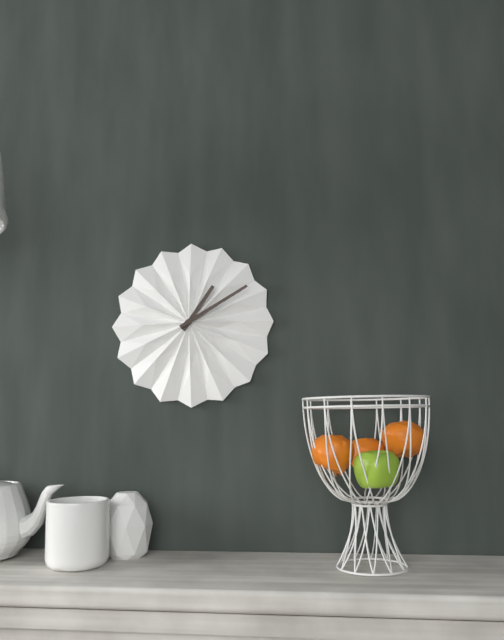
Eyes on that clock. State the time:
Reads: 1:10
